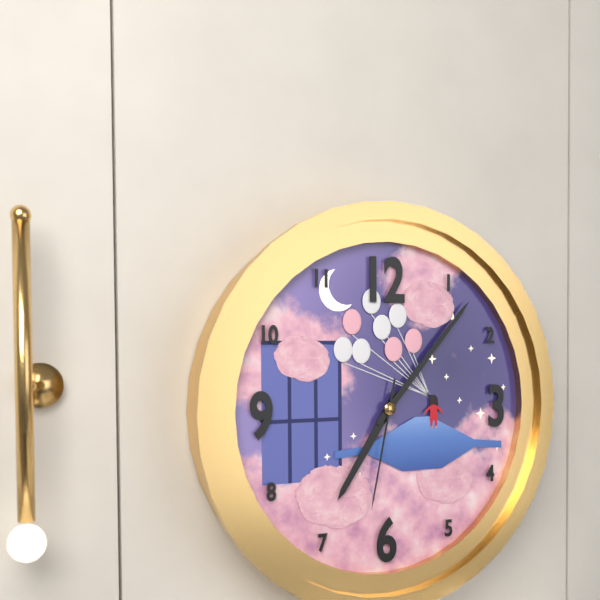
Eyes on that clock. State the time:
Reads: 7:07:32
